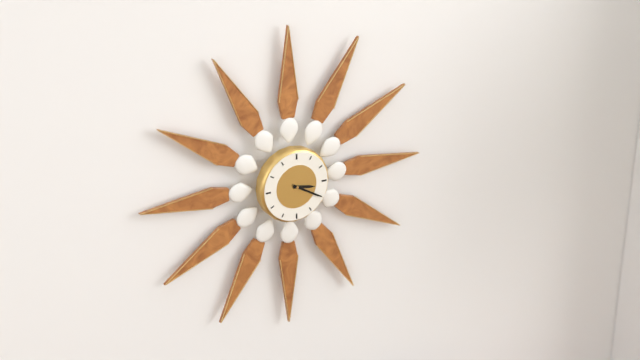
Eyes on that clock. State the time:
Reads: 3:20
